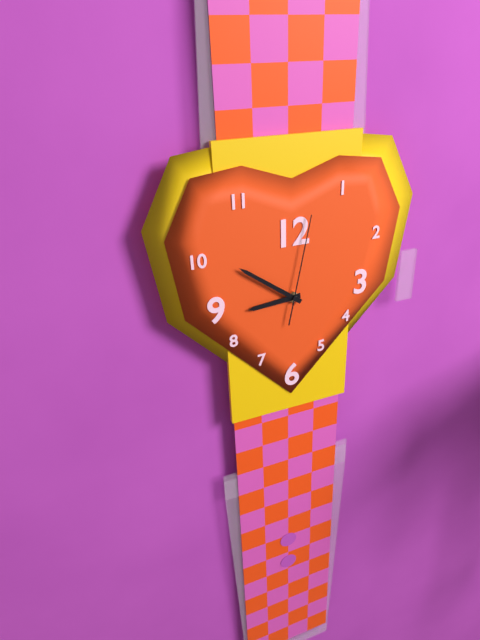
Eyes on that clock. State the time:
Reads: 8:51:02
